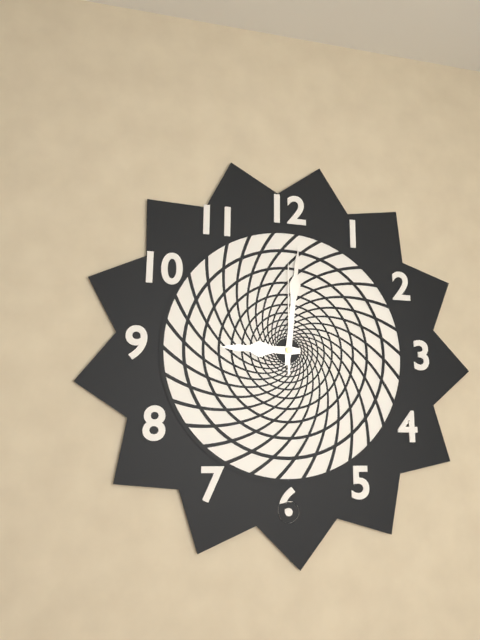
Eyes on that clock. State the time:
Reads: 9:01:00
